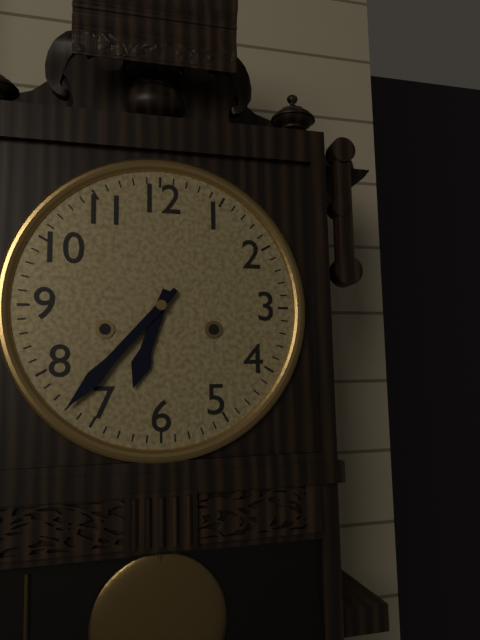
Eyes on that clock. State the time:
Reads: 6:37
